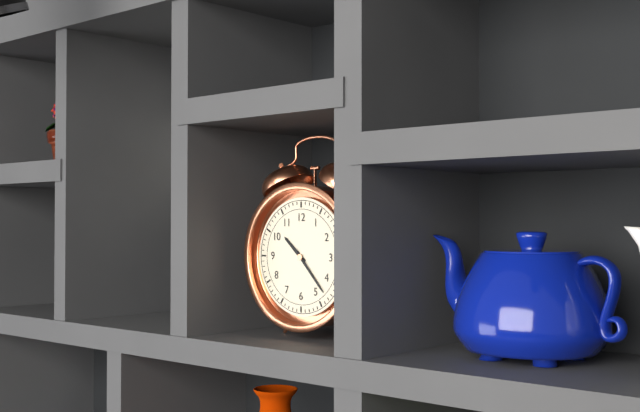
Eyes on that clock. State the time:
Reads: 10:23
